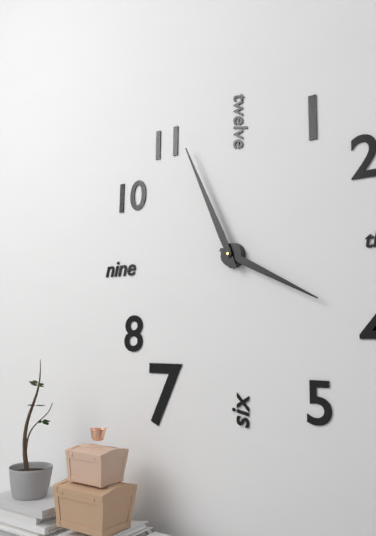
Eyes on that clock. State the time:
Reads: 3:56
